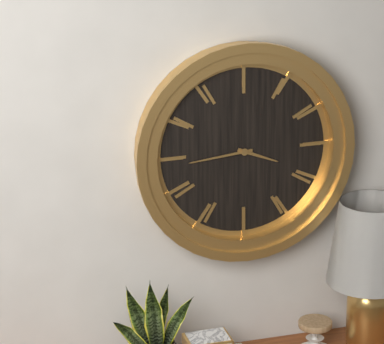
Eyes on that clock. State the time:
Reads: 3:44
